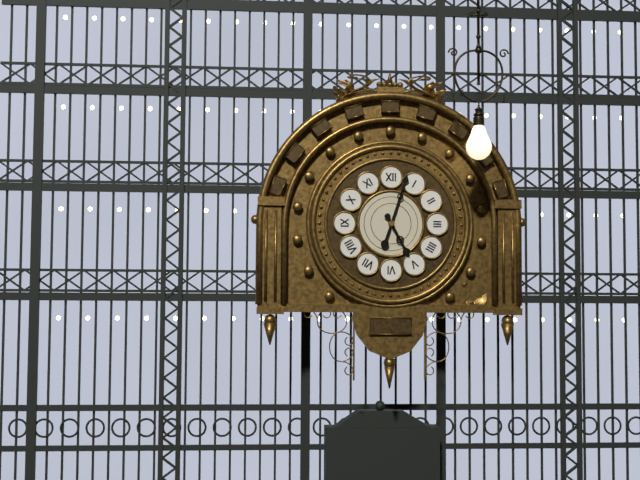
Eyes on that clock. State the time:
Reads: 5:03
